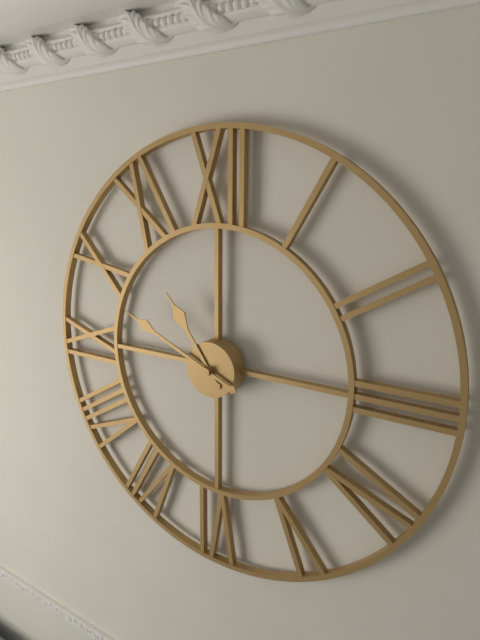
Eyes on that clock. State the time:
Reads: 10:49
